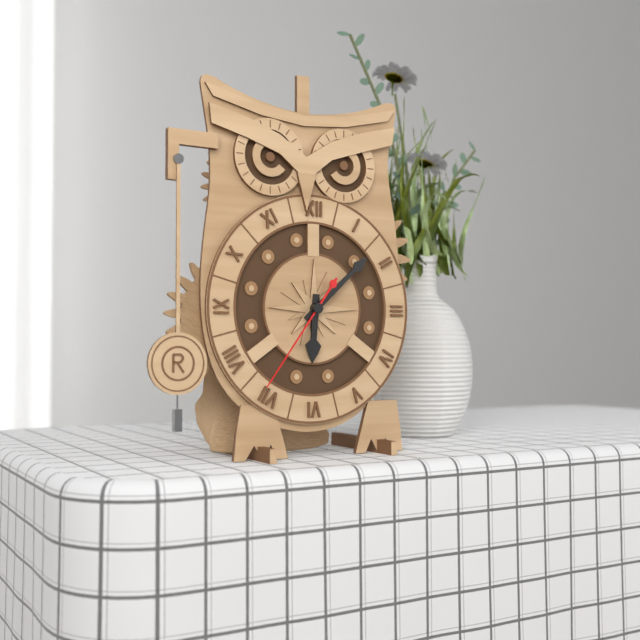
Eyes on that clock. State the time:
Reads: 6:08:36
